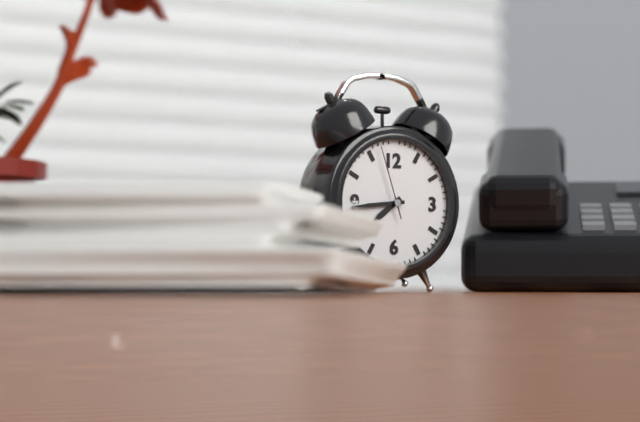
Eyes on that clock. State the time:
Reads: 7:44:57
